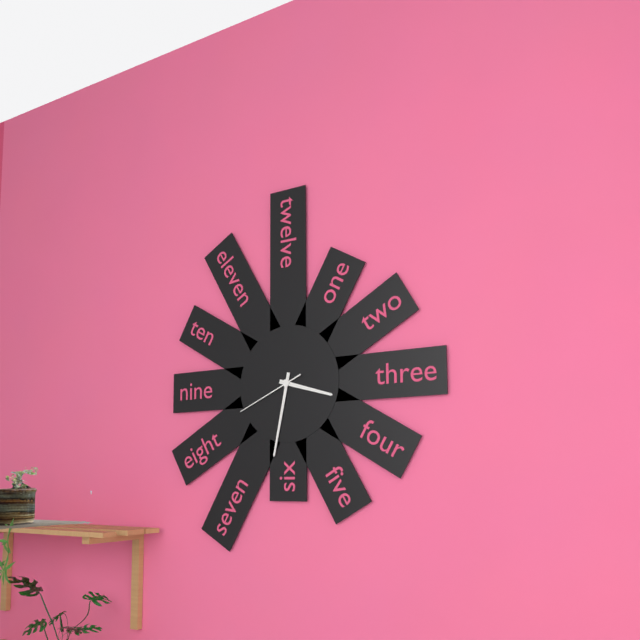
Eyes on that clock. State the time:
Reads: 3:32:41
